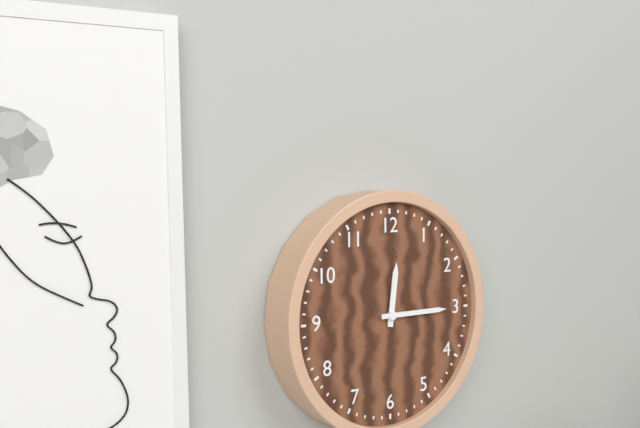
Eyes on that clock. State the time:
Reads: 12:15
